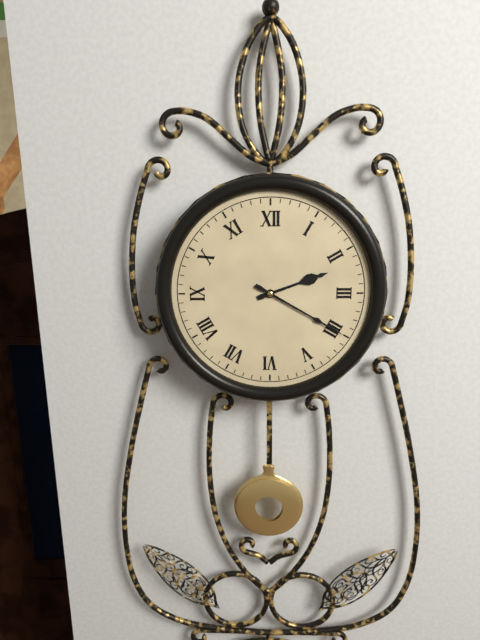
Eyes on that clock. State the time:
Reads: 2:20
